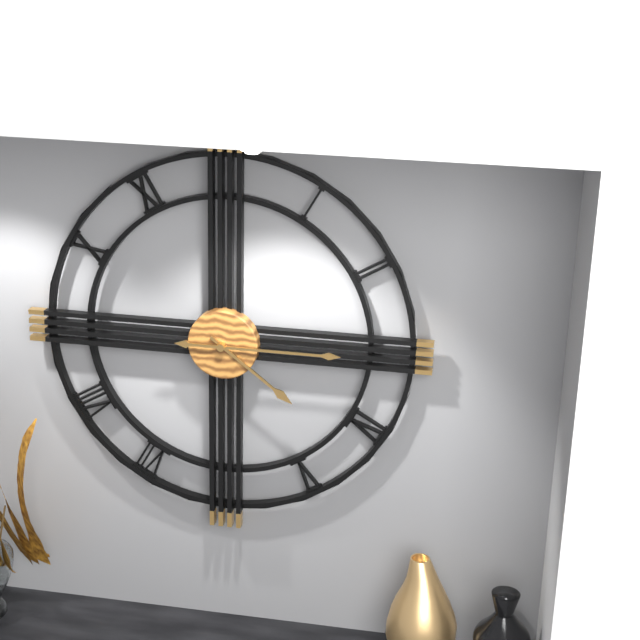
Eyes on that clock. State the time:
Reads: 4:15
